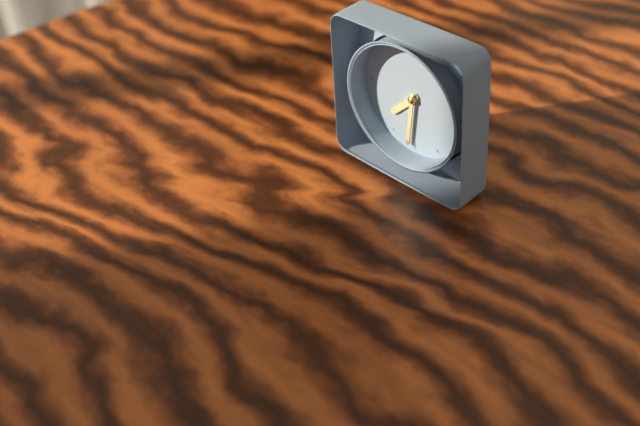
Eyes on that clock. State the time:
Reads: 7:31
